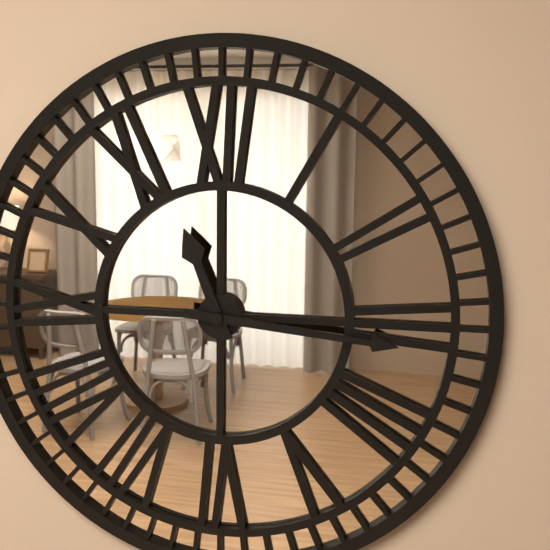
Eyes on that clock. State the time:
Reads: 11:16
